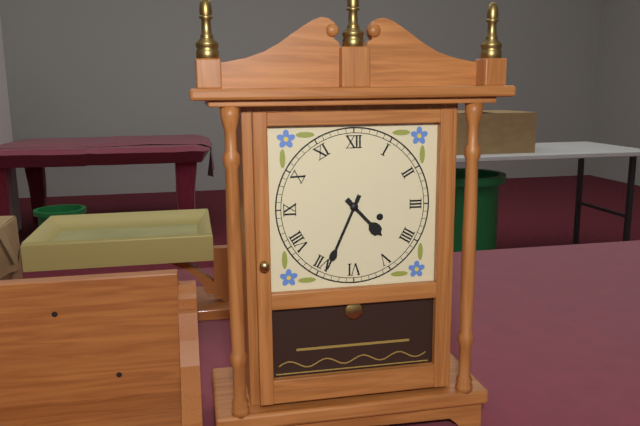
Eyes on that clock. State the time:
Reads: 4:34
